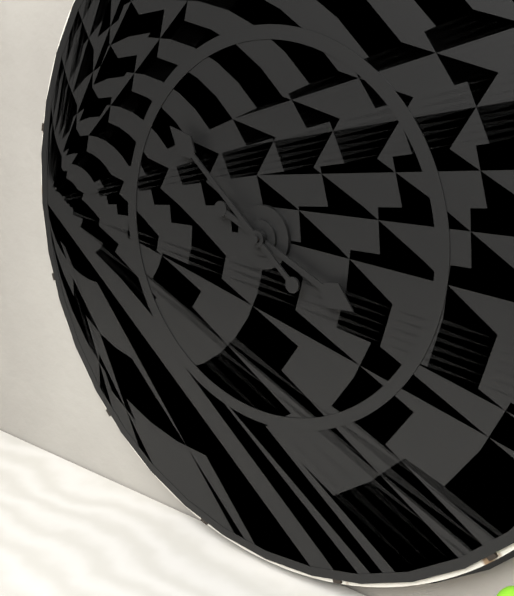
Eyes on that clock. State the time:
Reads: 3:52
